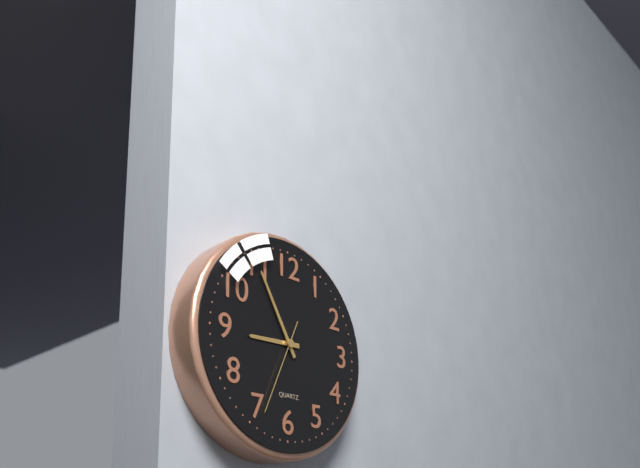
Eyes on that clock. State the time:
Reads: 8:55:34
